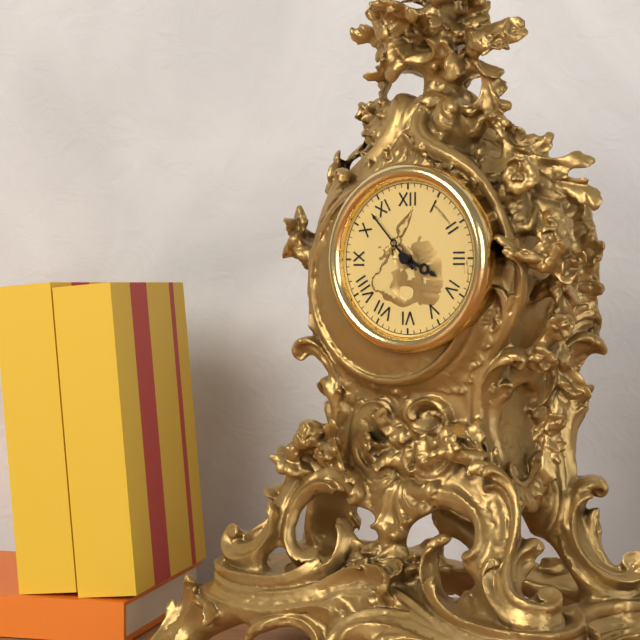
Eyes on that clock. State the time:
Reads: 3:53
